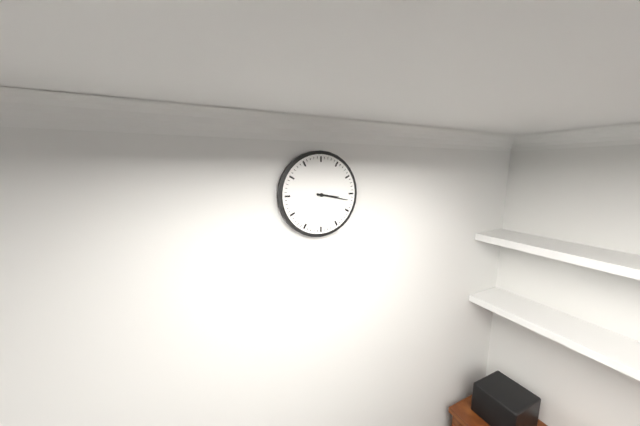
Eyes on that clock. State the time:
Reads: 3:17
